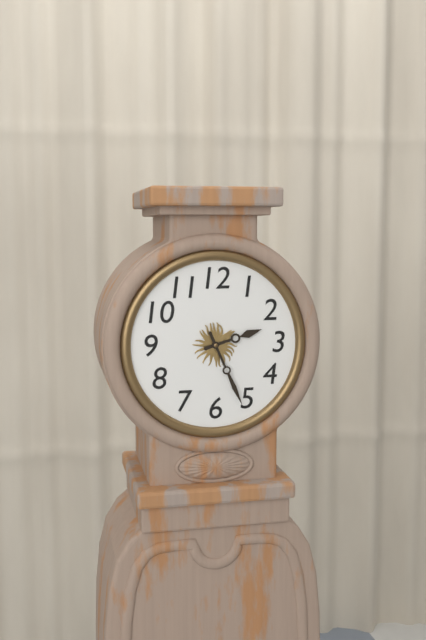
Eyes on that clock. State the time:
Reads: 2:26
